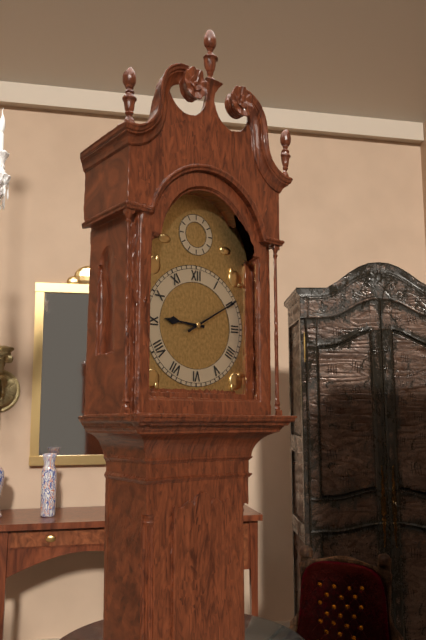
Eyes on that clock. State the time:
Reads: 9:10
